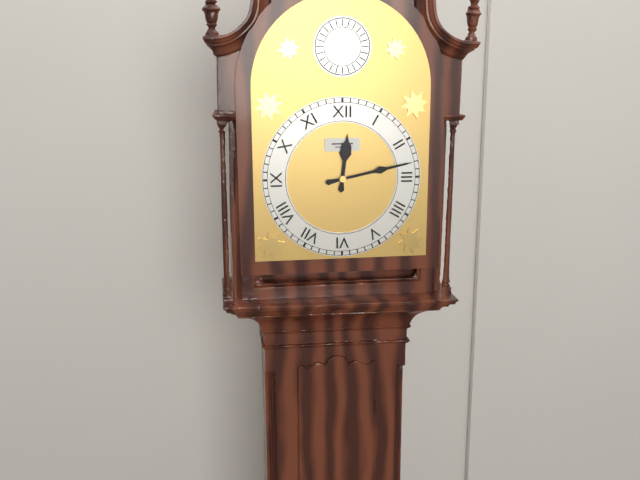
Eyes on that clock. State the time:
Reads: 12:13
